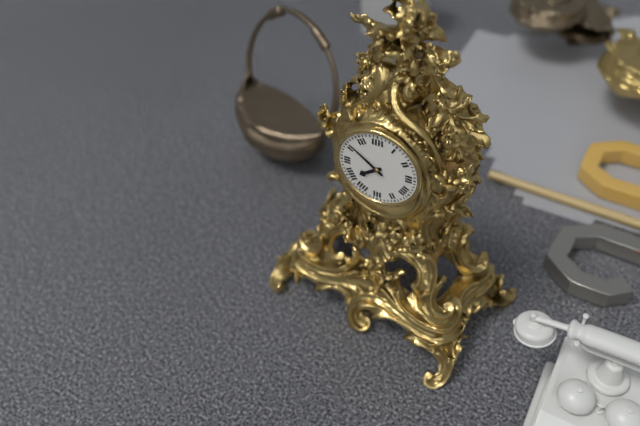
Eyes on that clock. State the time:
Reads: 7:51
